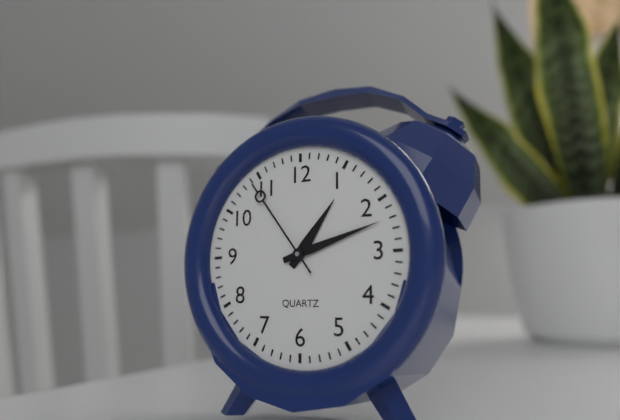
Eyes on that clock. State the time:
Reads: 1:12:54
